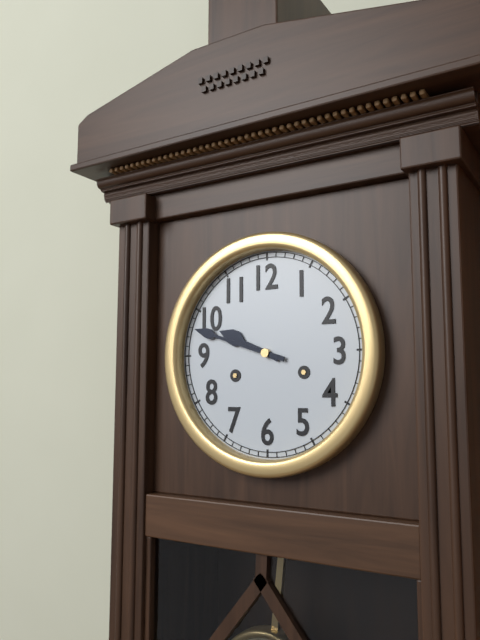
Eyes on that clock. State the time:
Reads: 9:48
